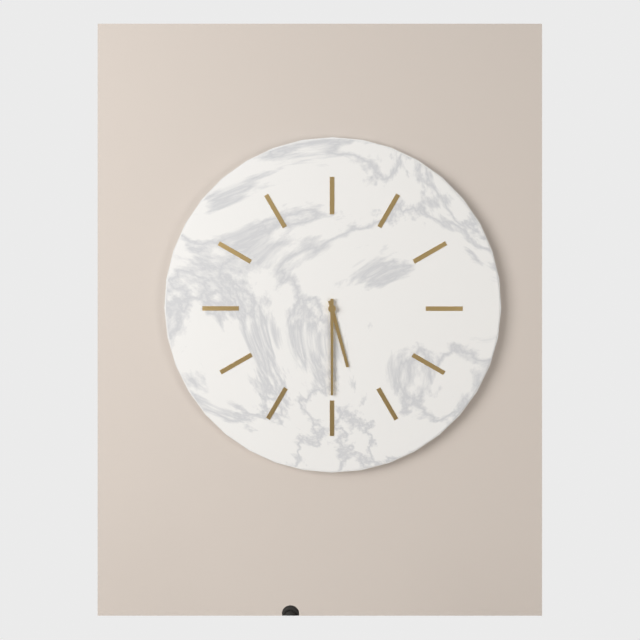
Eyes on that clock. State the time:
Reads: 5:30
